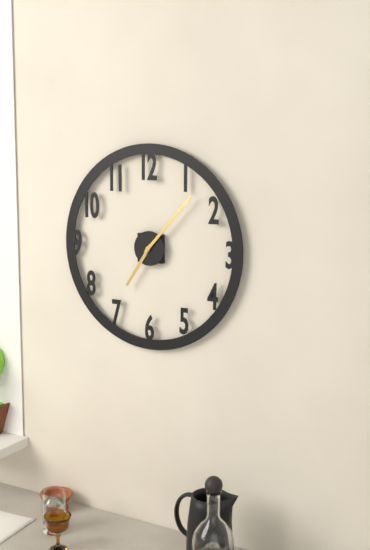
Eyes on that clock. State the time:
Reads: 7:07
